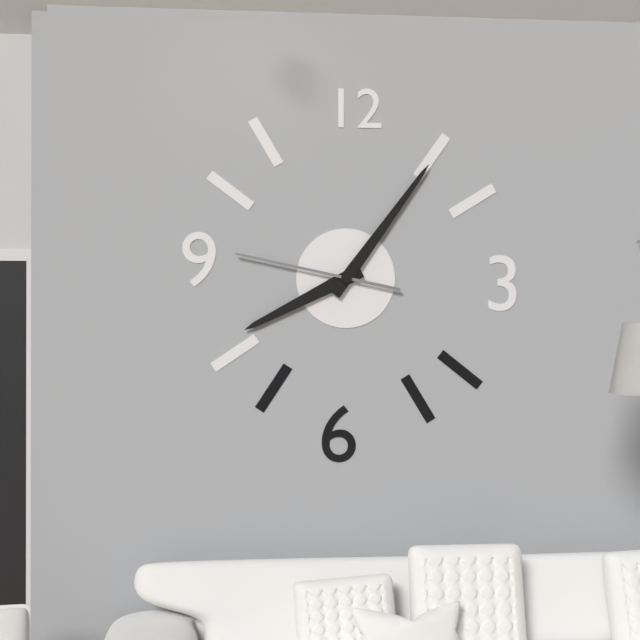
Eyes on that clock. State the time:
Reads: 8:06:47
